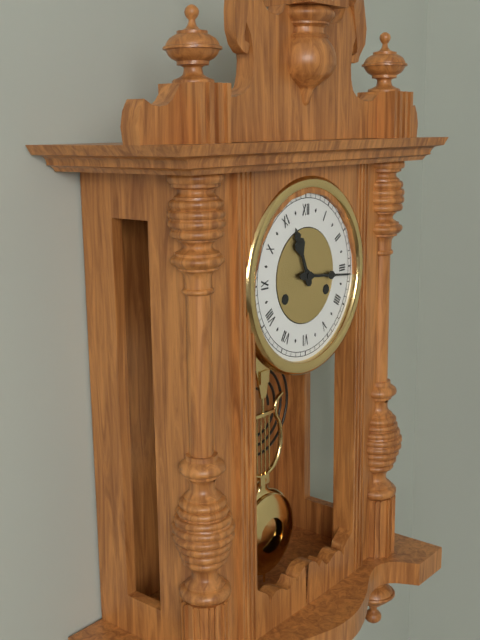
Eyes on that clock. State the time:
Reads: 11:16
